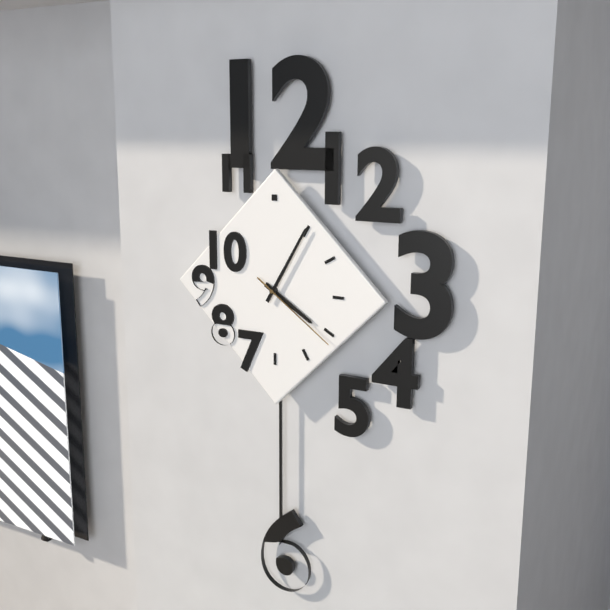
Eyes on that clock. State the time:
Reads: 4:05:21
